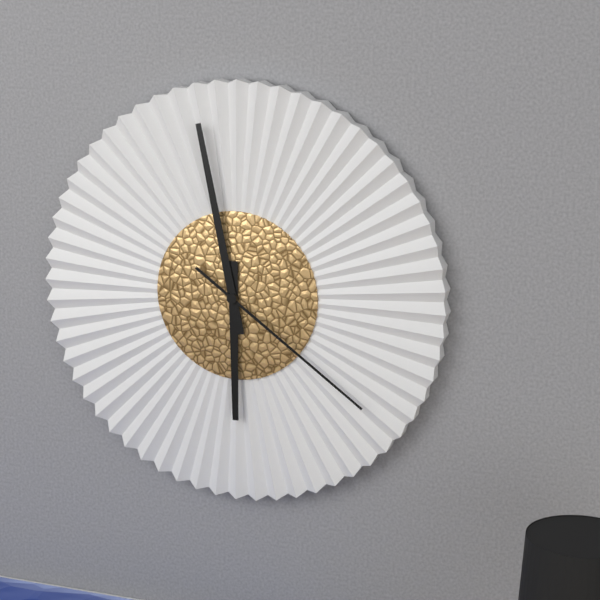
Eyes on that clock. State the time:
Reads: 5:58:21
